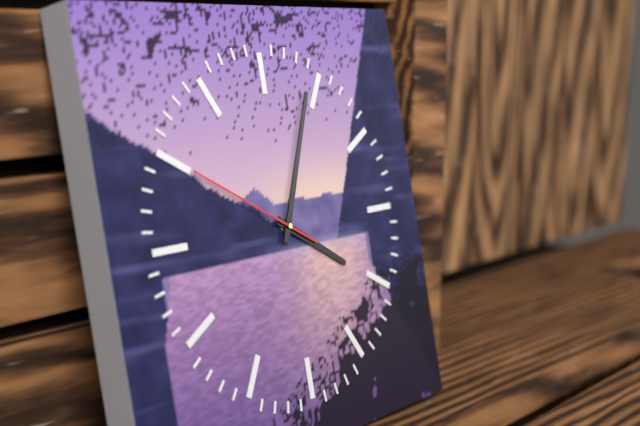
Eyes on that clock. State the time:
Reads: 4:04:50
